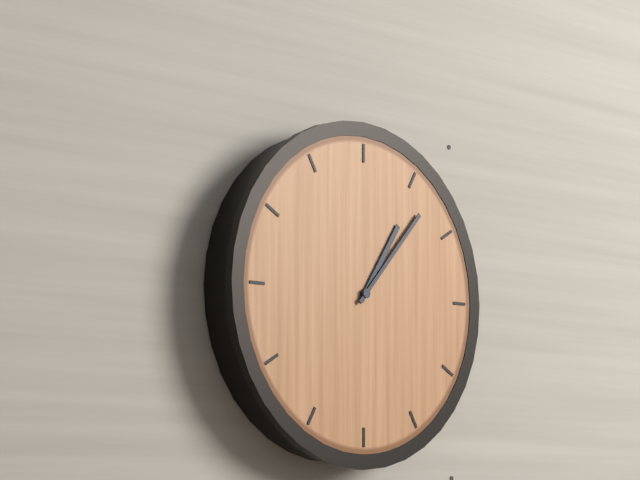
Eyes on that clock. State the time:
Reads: 1:07
